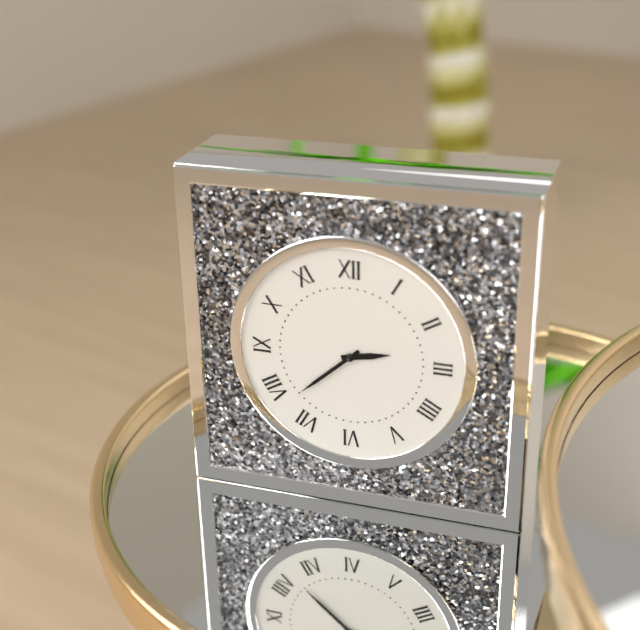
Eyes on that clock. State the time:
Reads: 2:38
